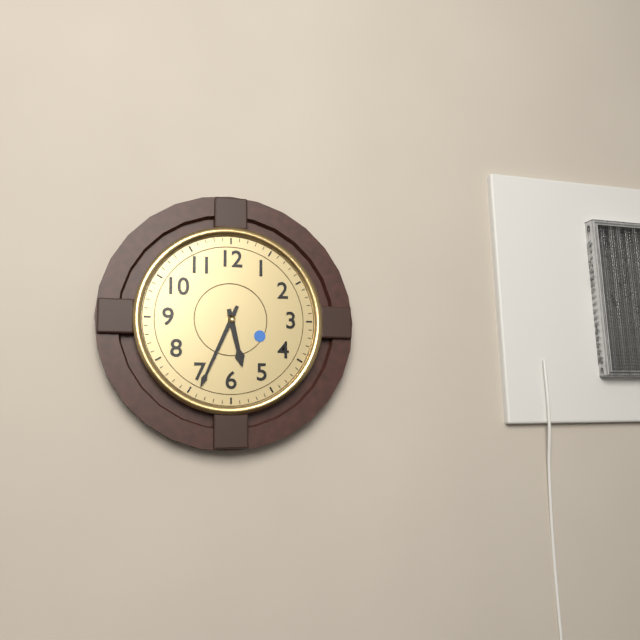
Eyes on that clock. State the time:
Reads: 5:34
